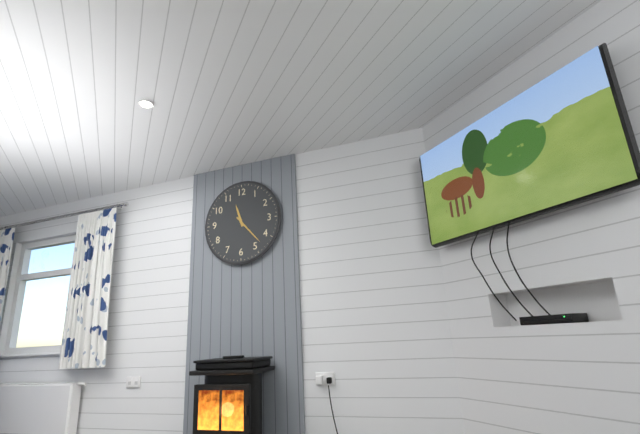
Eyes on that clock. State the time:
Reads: 11:23
